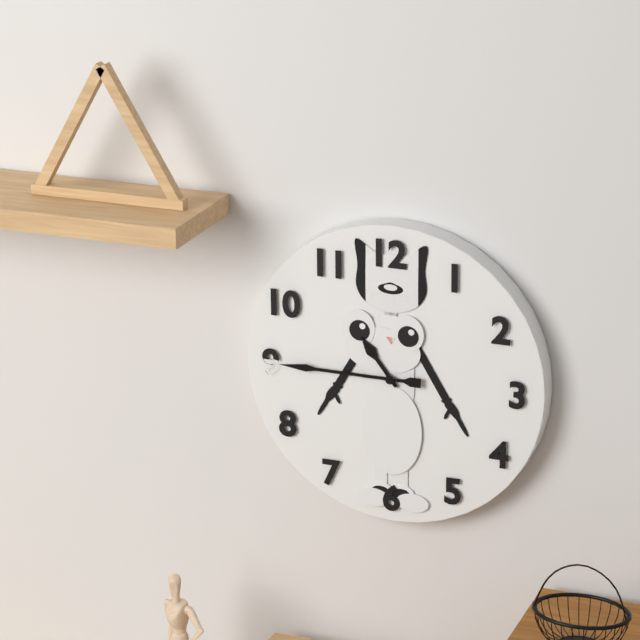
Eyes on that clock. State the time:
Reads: 10:45
